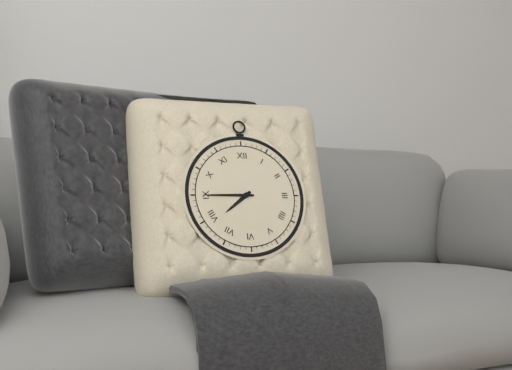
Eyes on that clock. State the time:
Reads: 7:45
